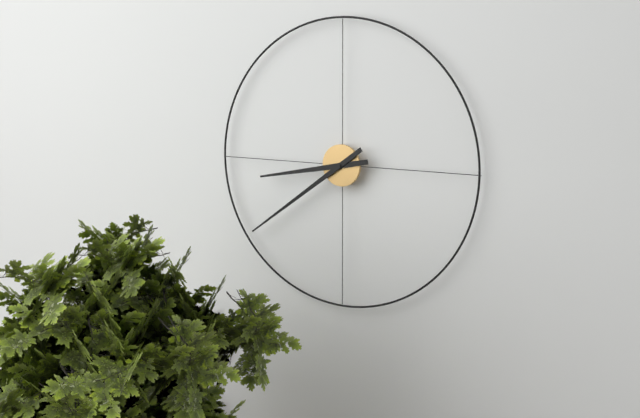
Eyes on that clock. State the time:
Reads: 8:39
